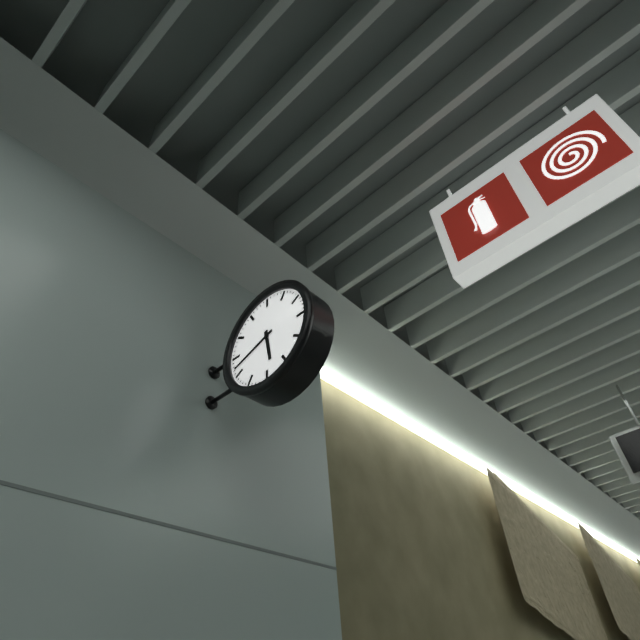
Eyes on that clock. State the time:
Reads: 5:42
